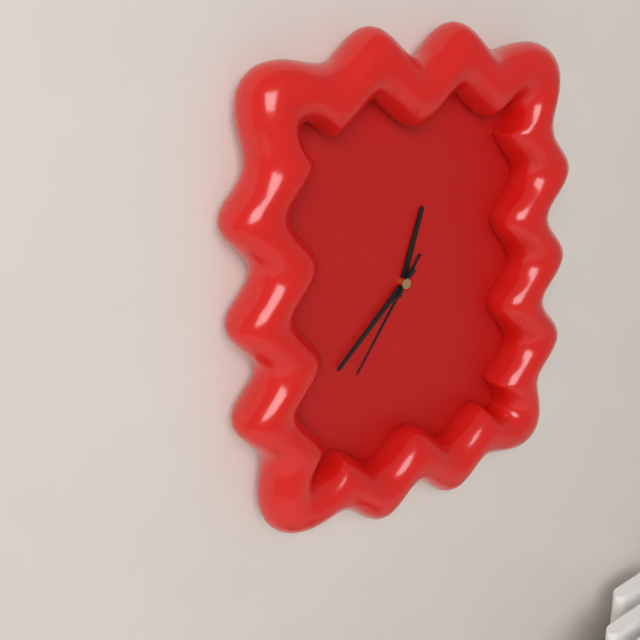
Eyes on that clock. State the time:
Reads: 12:38:36
